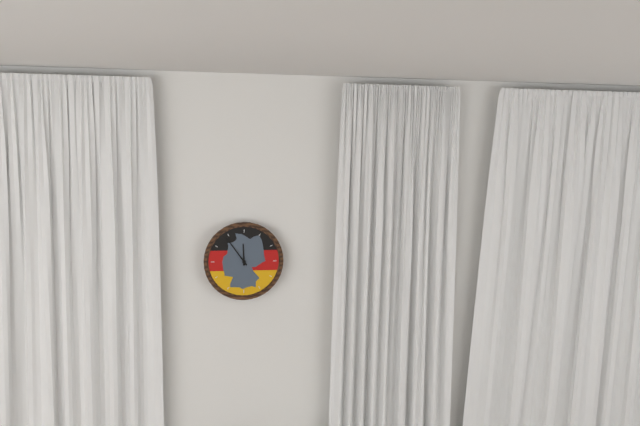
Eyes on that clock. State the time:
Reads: 11:54
